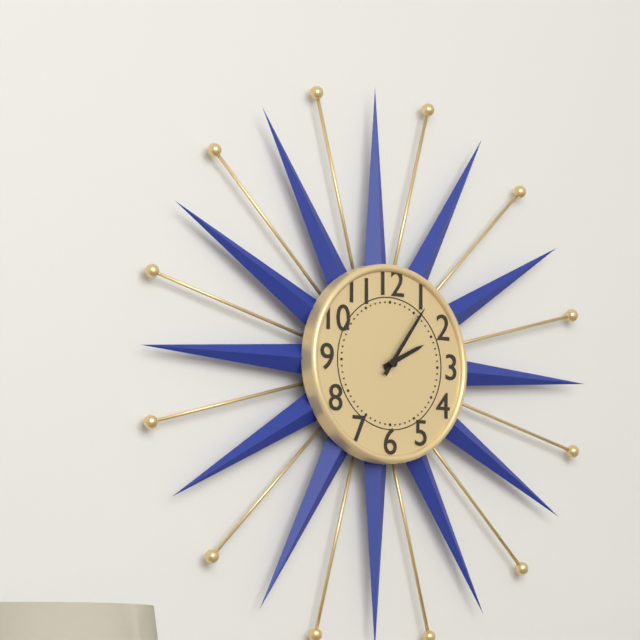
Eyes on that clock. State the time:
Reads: 2:06
